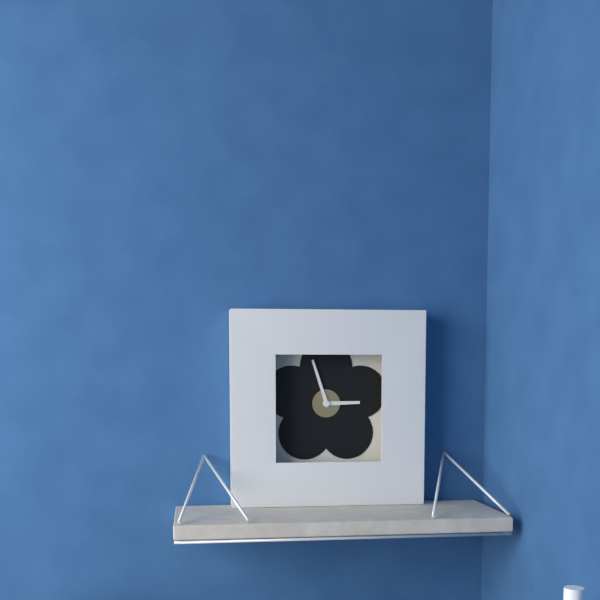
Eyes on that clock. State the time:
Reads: 2:57
